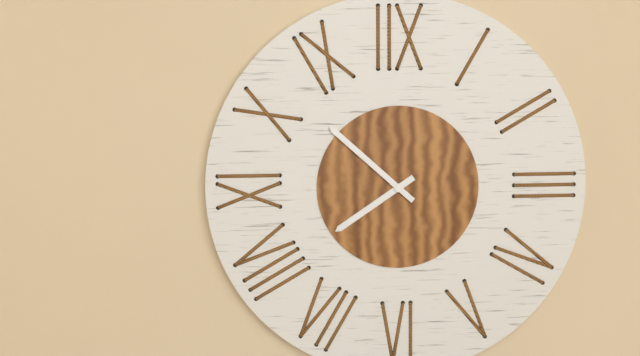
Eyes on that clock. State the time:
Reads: 7:52
